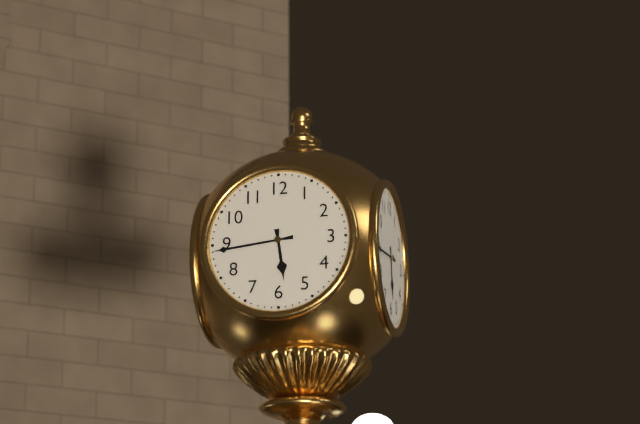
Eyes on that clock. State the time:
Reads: 5:44
